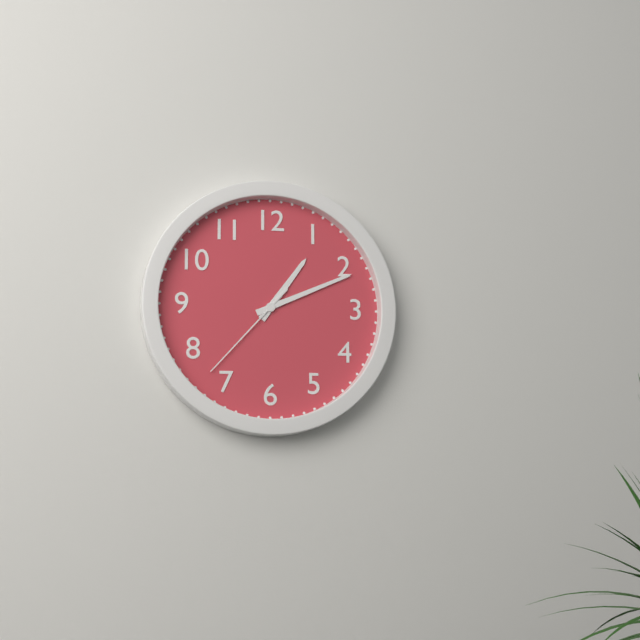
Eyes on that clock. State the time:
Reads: 1:11:37
